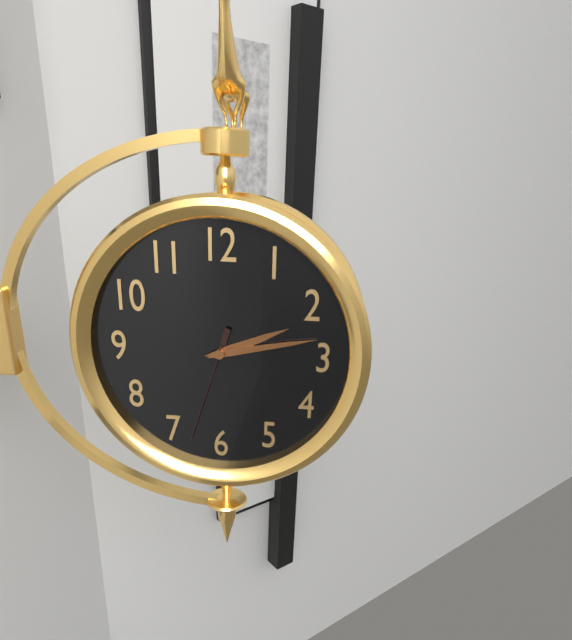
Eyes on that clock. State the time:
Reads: 2:13:33
